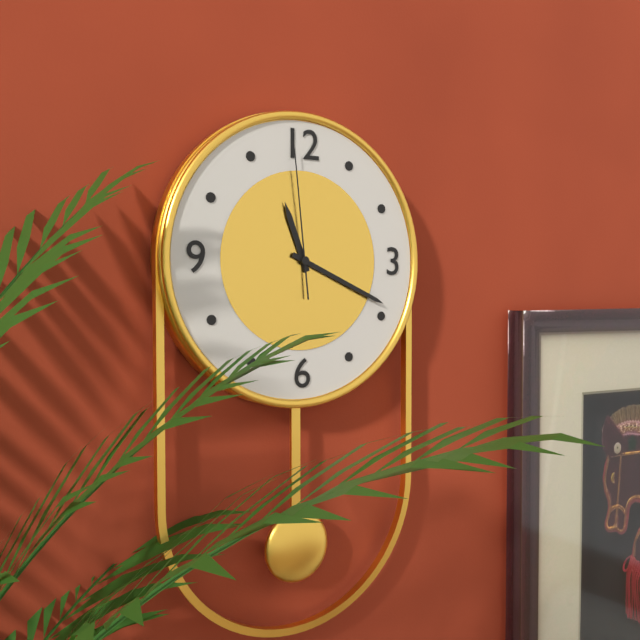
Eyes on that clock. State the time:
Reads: 11:19:59
